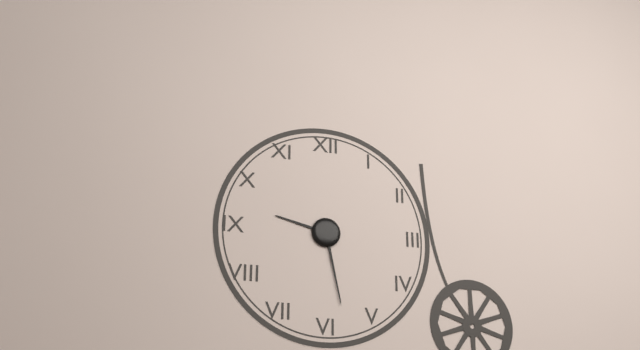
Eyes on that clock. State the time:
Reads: 9:28
